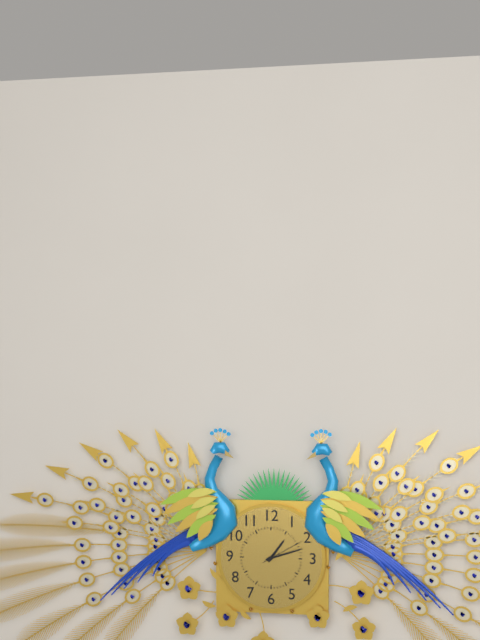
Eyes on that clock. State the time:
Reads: 1:12
